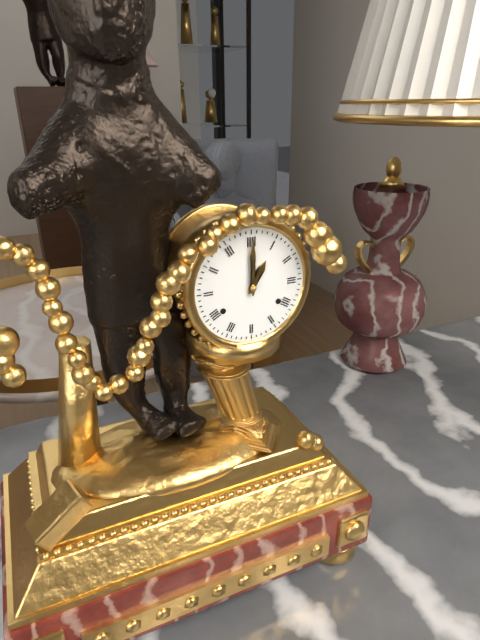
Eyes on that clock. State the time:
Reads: 1:00
